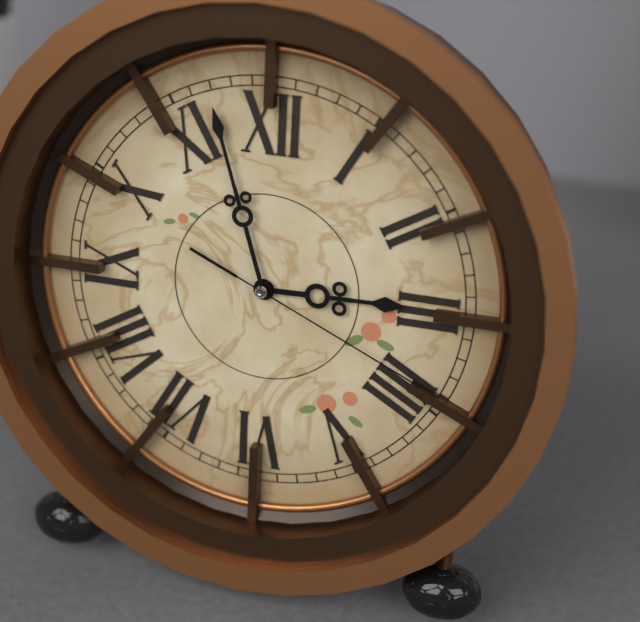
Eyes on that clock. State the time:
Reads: 2:57:19
